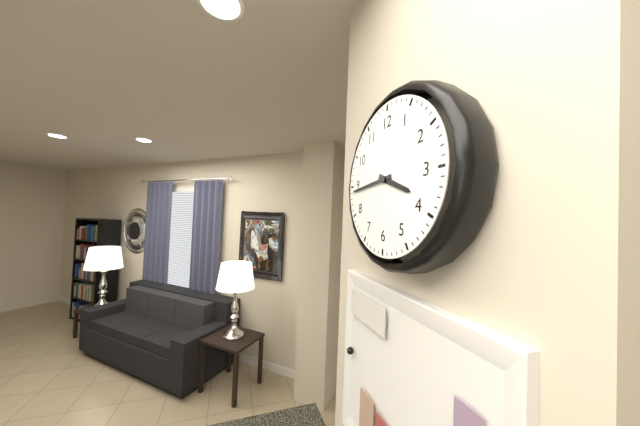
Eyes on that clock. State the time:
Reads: 3:44
